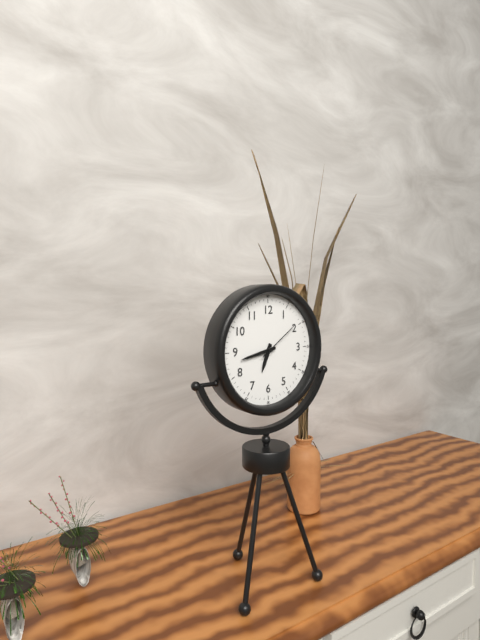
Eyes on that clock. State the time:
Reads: 6:43
